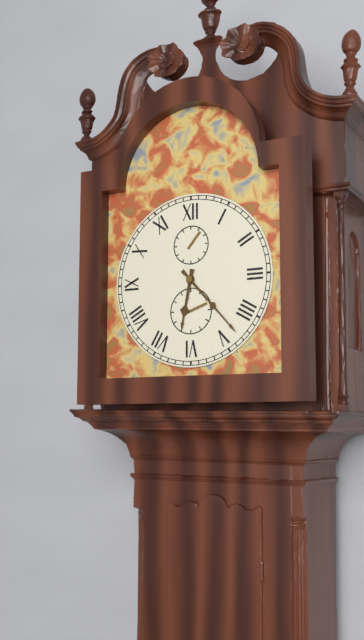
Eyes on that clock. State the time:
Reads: 6:23
